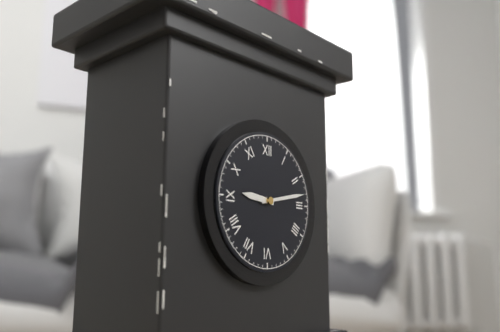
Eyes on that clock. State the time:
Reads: 9:13
